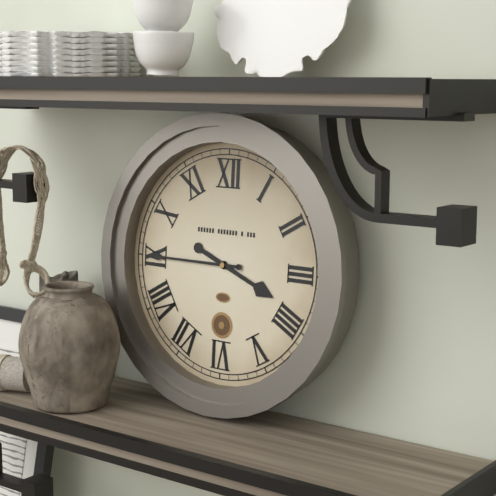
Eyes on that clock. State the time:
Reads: 3:45
